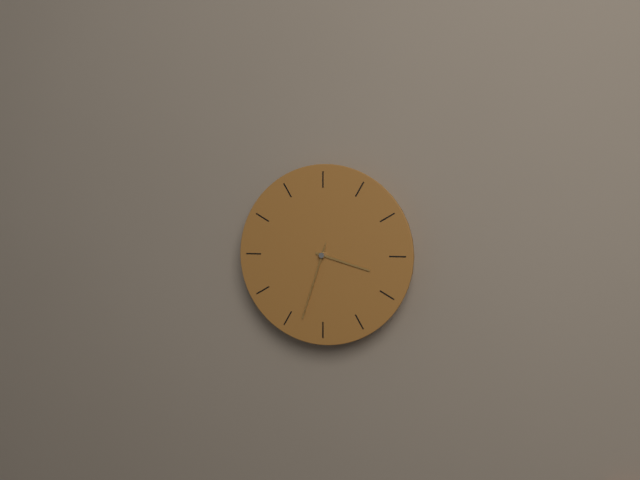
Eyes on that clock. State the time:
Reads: 3:33:33
